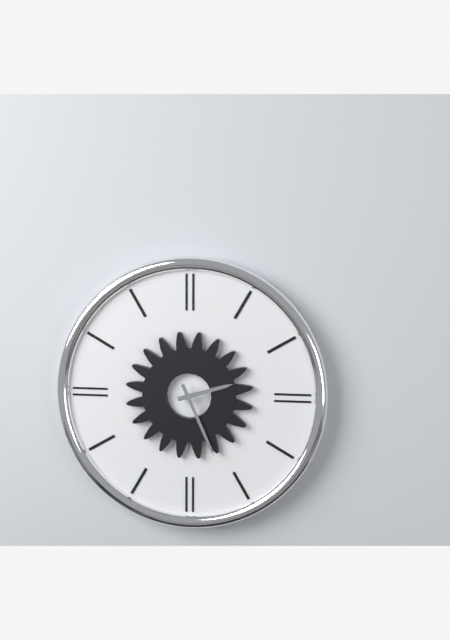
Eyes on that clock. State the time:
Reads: 2:26
